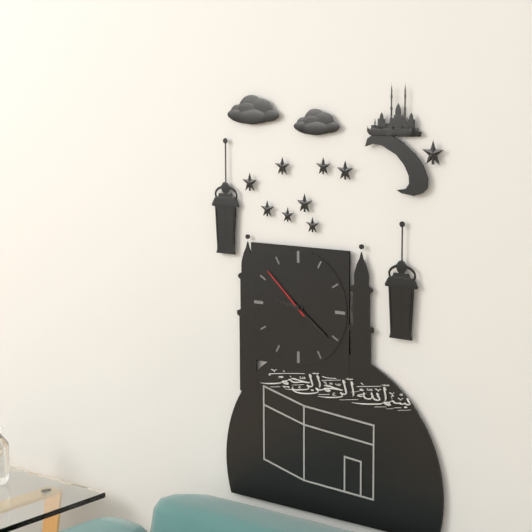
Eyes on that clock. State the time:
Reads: 9:21:52
